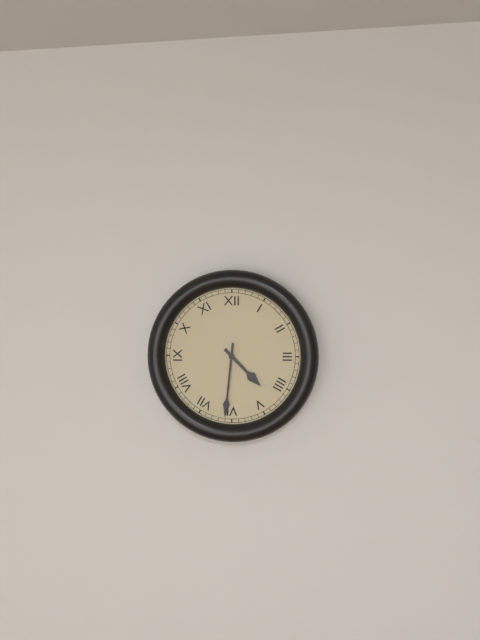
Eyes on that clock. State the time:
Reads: 4:31
